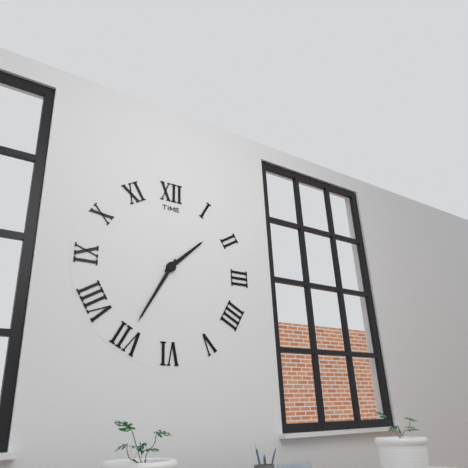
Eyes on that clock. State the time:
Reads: 1:35
